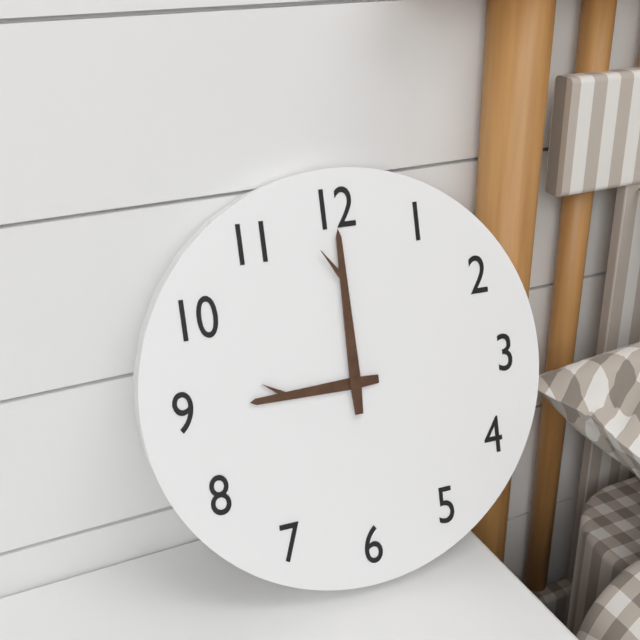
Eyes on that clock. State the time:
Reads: 9:00
